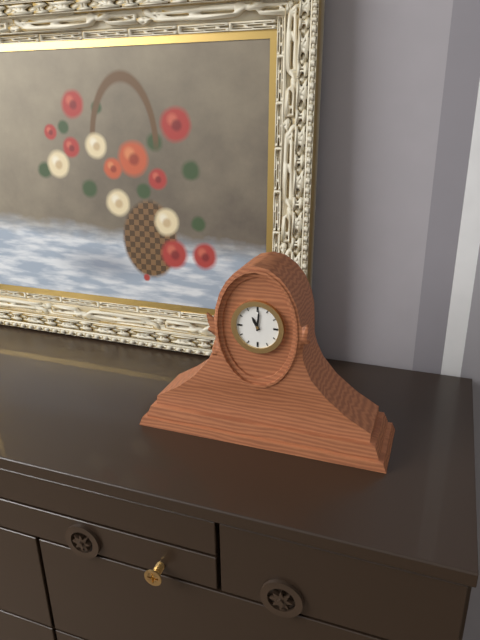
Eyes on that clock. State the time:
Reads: 11:01
